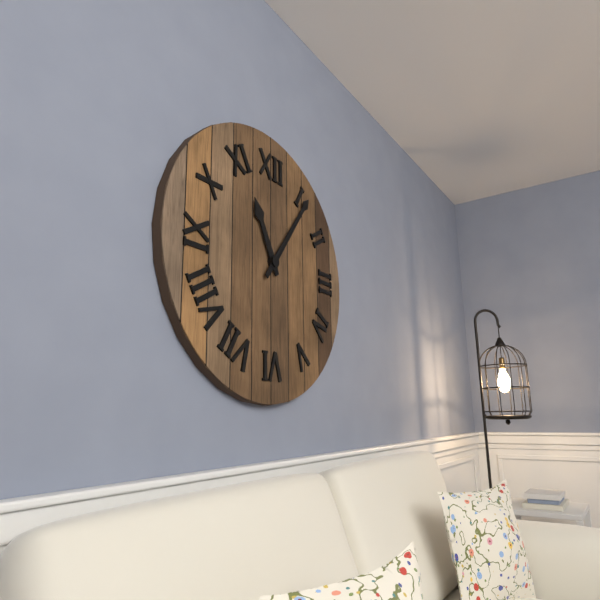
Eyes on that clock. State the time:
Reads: 11:06
